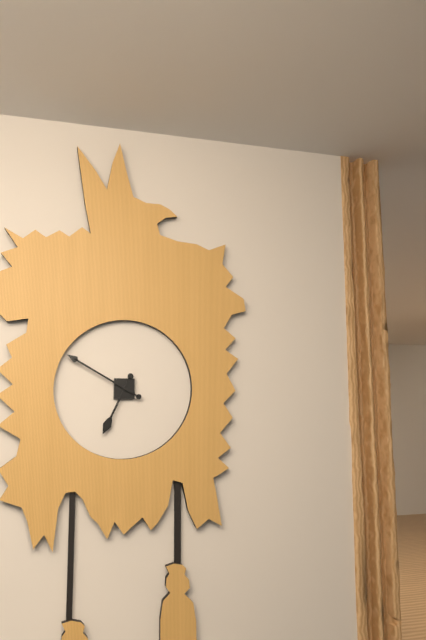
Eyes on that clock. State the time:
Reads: 6:50
